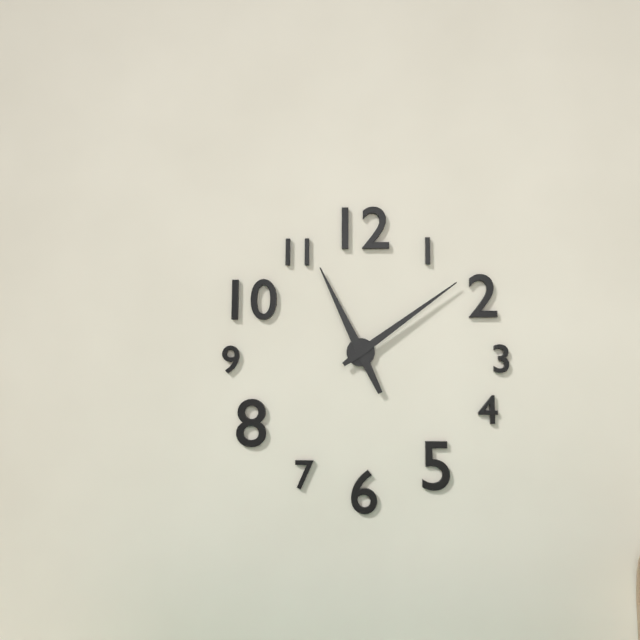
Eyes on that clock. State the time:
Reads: 11:09
